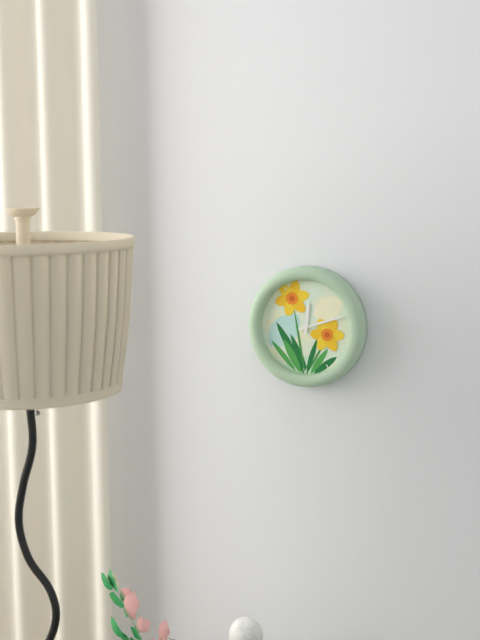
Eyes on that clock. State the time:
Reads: 12:12
